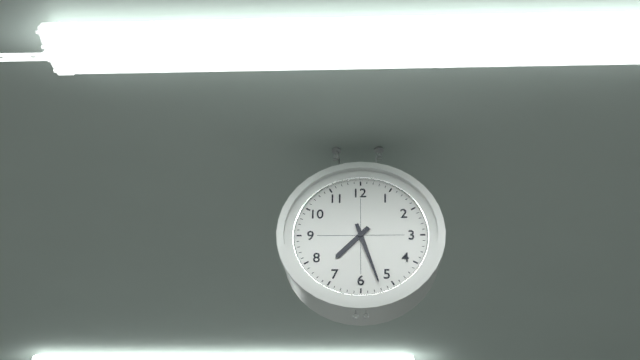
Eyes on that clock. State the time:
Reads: 7:27
